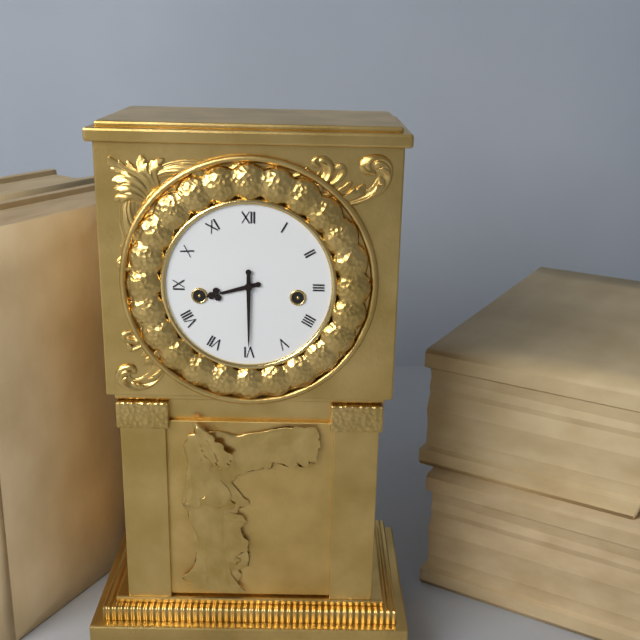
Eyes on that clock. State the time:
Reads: 8:30
